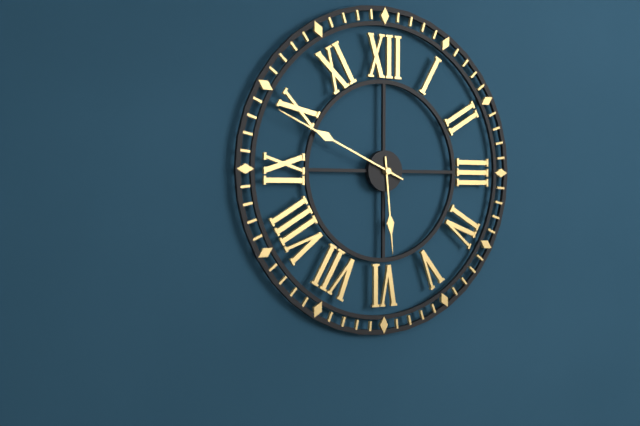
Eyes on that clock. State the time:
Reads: 5:49
